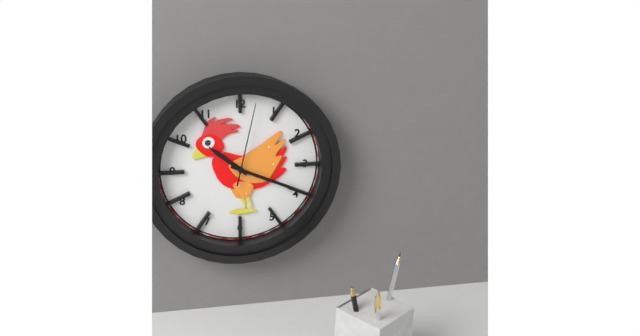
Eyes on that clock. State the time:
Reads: 10:19:02
